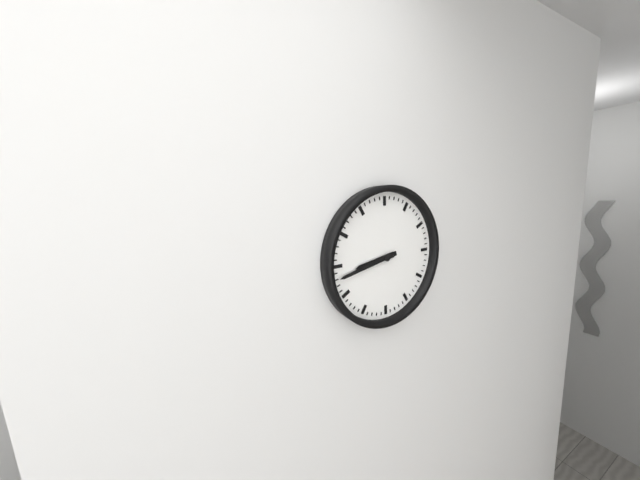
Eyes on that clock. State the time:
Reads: 8:43
